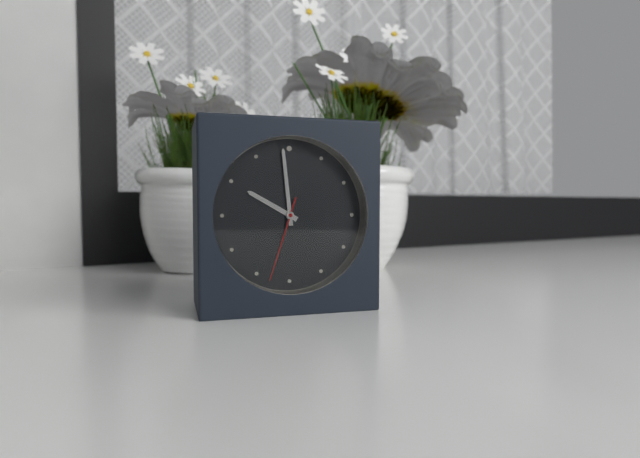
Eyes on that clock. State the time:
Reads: 9:59:33
